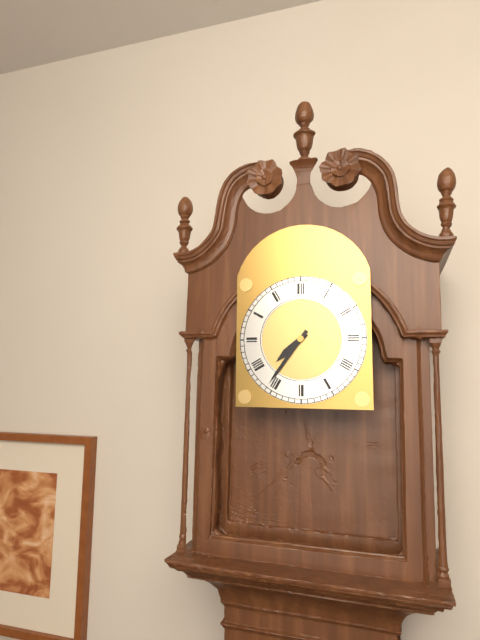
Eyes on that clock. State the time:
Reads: 7:36
